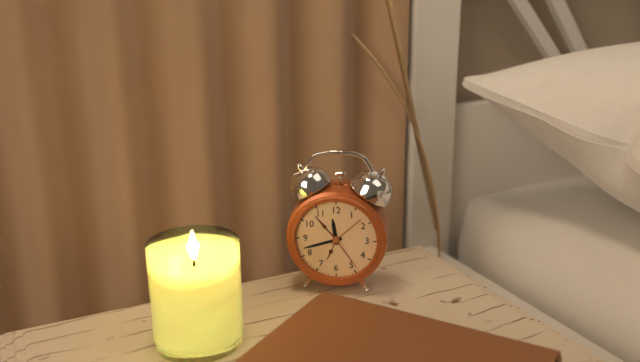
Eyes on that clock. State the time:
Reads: 11:42
